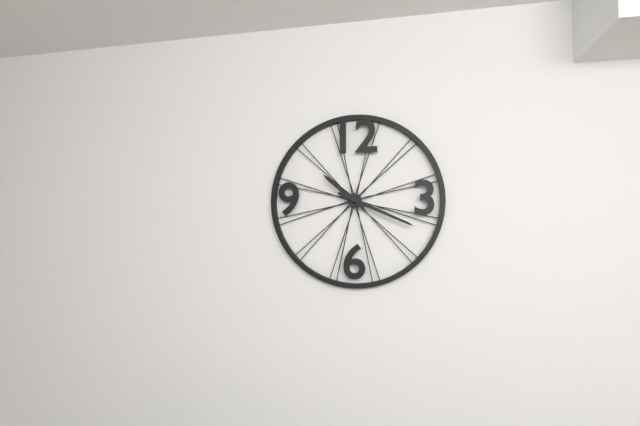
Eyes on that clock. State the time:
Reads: 10:19
